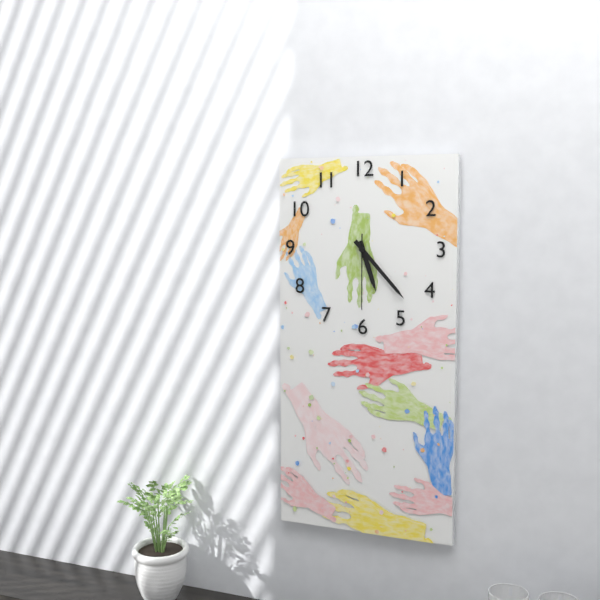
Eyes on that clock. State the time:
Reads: 5:23:30
